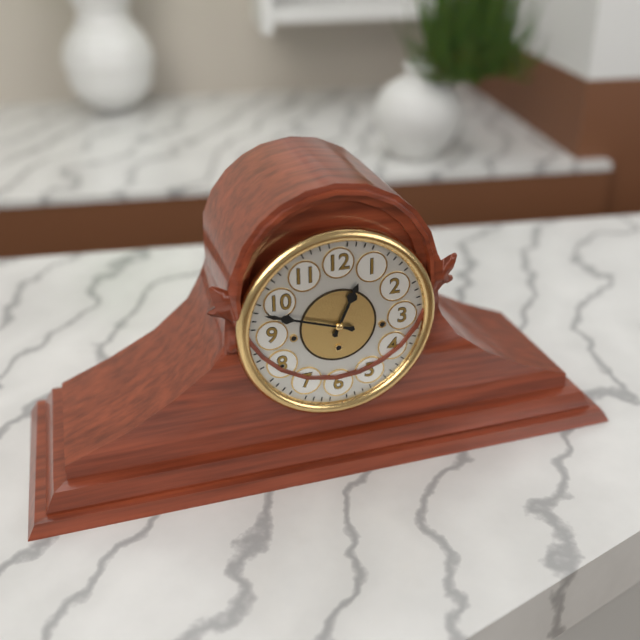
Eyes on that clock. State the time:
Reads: 12:48
